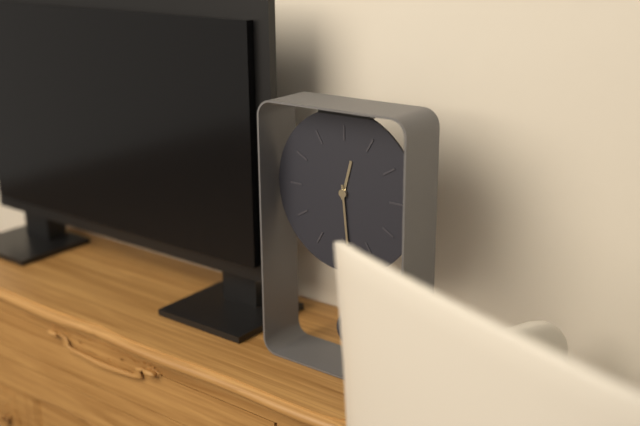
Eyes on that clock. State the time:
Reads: 12:29
